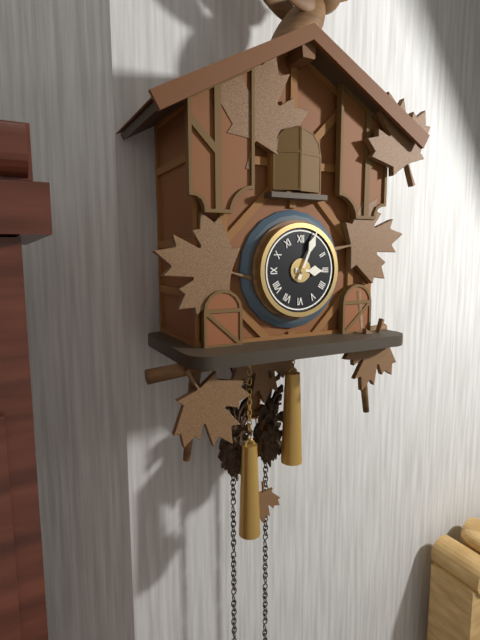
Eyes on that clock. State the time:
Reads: 3:04
